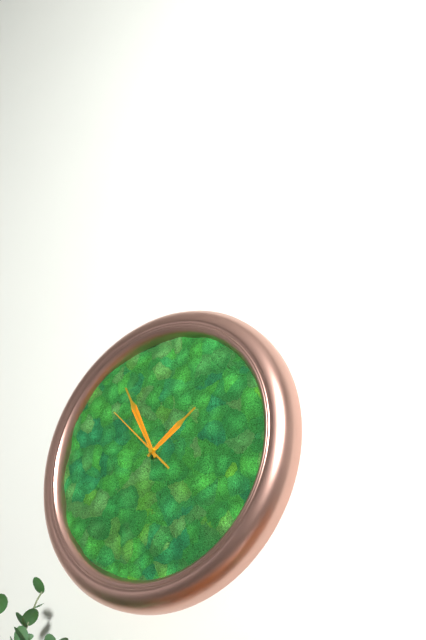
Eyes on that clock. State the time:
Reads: 1:56:53
